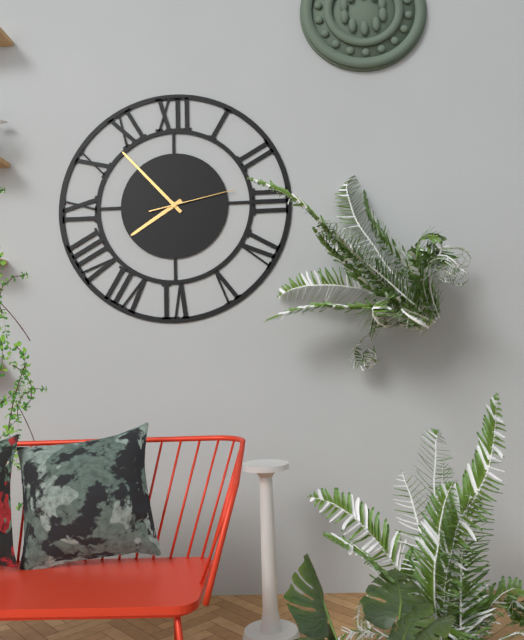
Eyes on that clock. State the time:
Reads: 7:53:13
